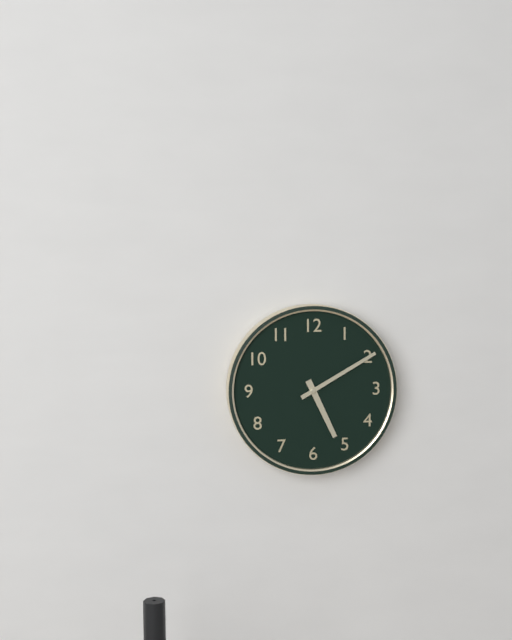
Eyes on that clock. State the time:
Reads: 5:10
